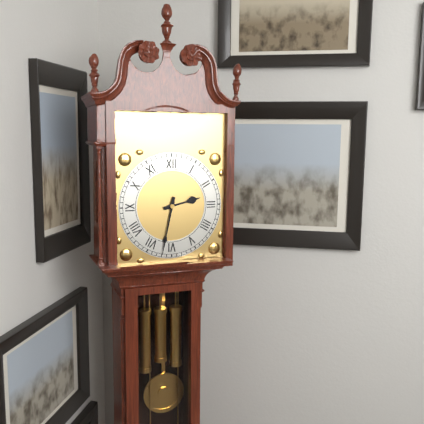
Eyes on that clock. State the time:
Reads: 2:32
